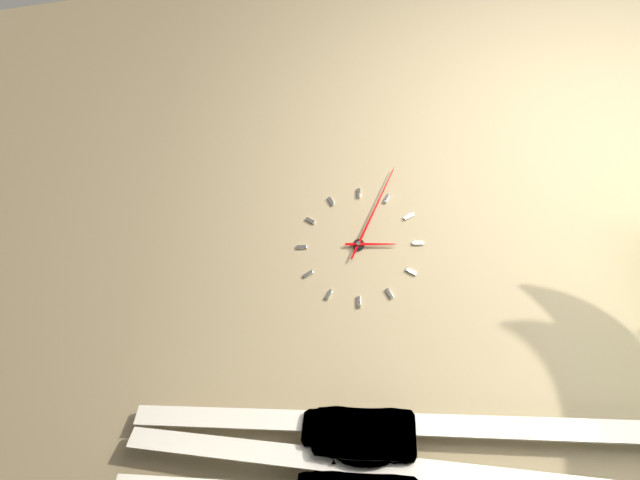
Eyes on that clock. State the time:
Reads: 3:04
